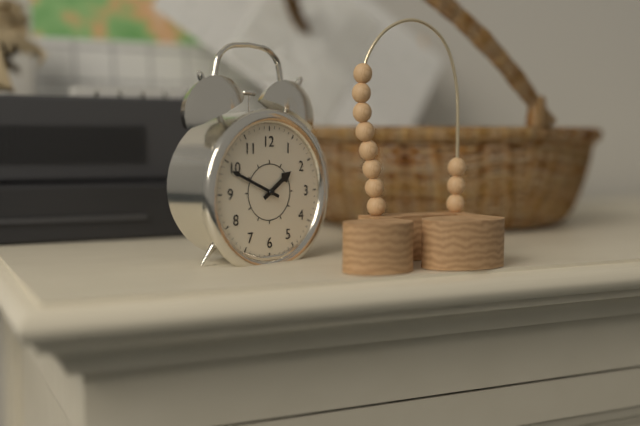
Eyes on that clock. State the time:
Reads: 1:49
